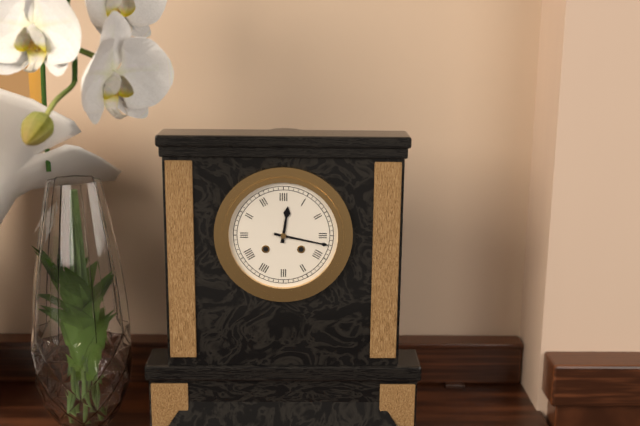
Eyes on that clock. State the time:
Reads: 12:17
